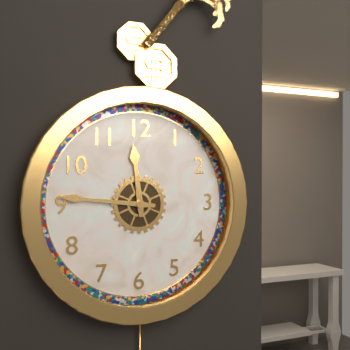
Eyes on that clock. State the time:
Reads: 11:46
